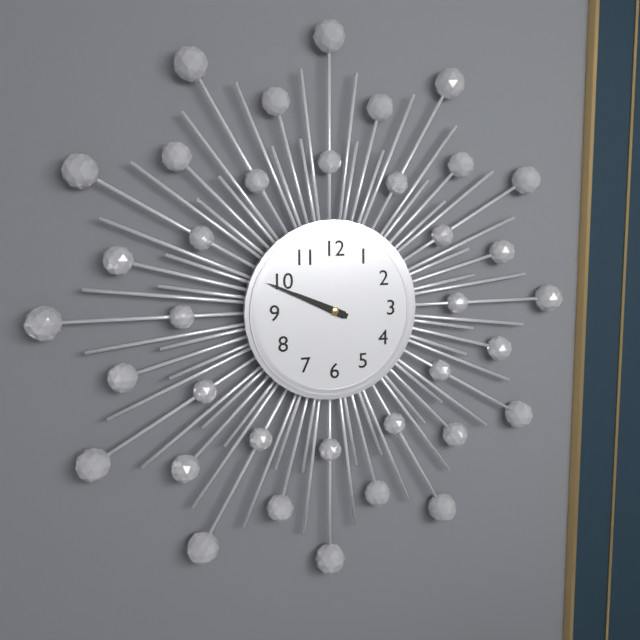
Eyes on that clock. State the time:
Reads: 9:49
